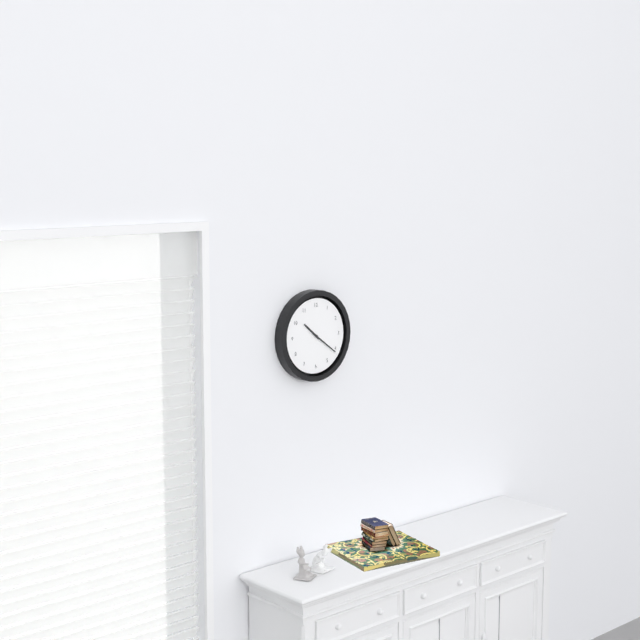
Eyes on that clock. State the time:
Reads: 10:21
